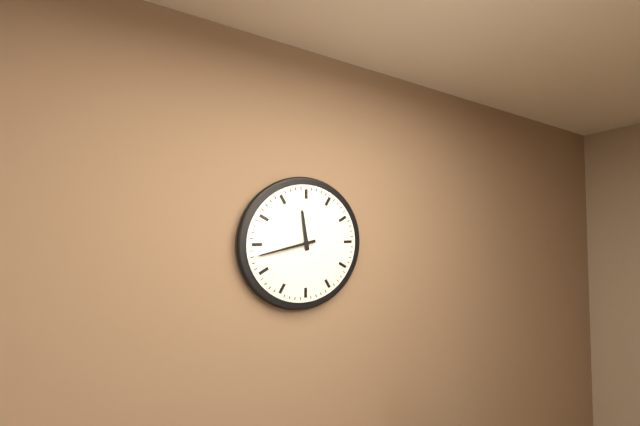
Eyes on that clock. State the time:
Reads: 11:43
